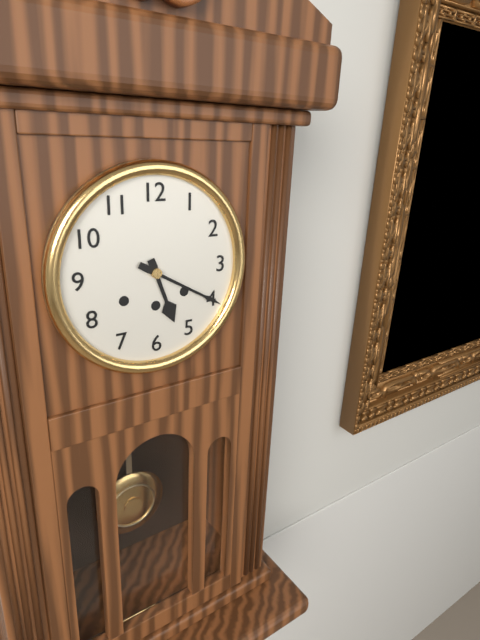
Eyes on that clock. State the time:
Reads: 5:20
